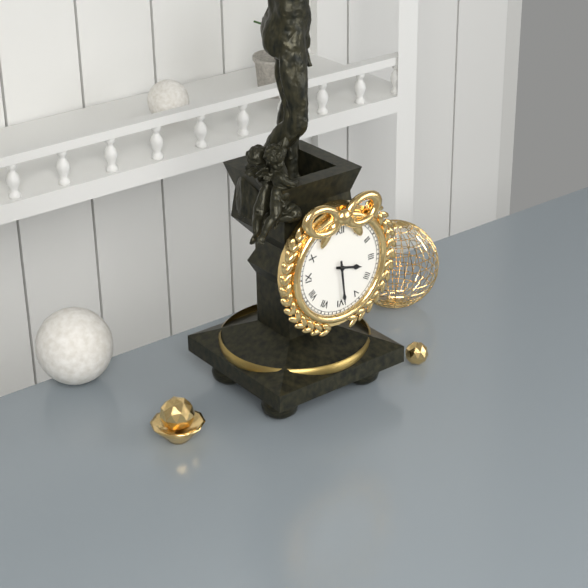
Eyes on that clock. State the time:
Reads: 3:29
